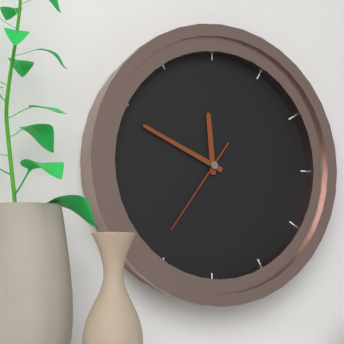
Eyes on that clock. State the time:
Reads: 11:49:36
